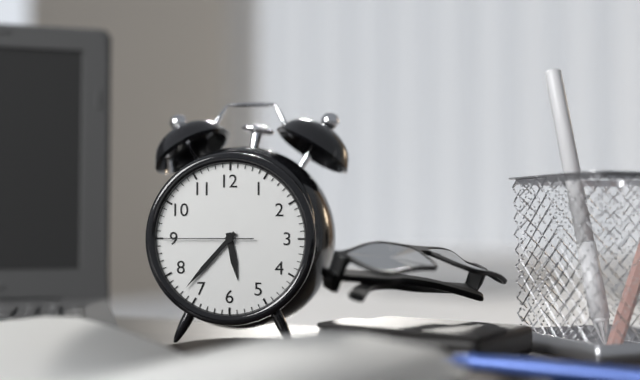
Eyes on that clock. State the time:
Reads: 5:37:45
